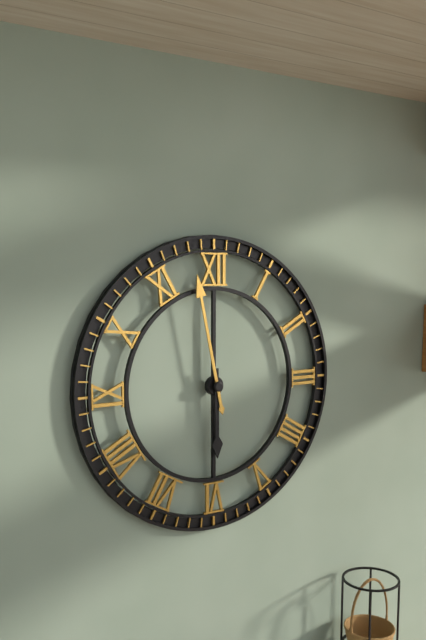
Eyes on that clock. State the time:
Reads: 5:58
